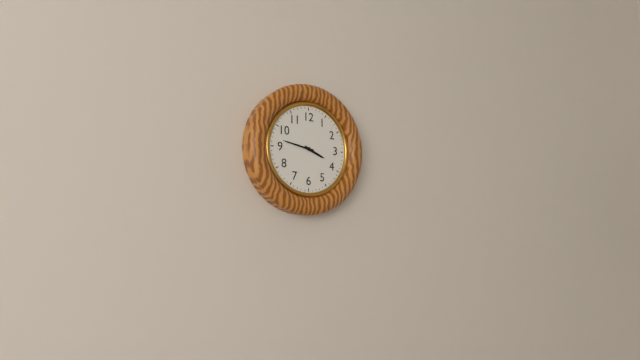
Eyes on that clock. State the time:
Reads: 3:47
